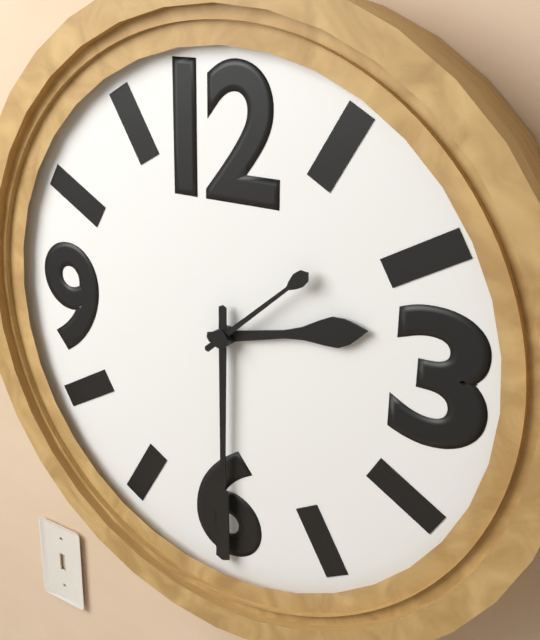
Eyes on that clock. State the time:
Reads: 2:30:08
